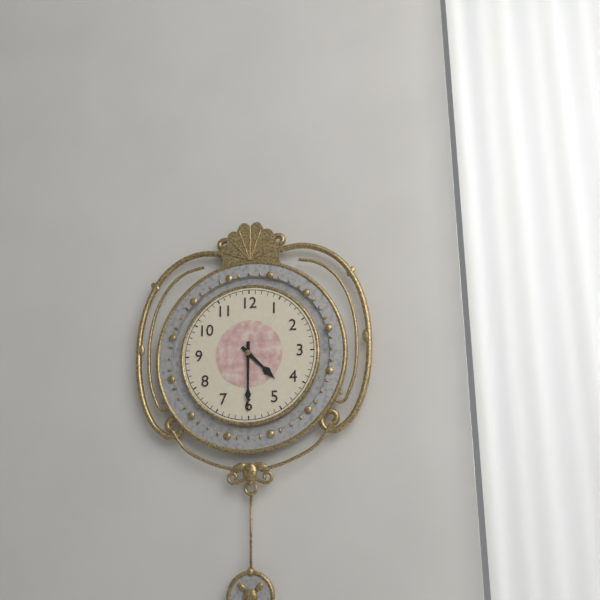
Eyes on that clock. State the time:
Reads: 4:30
